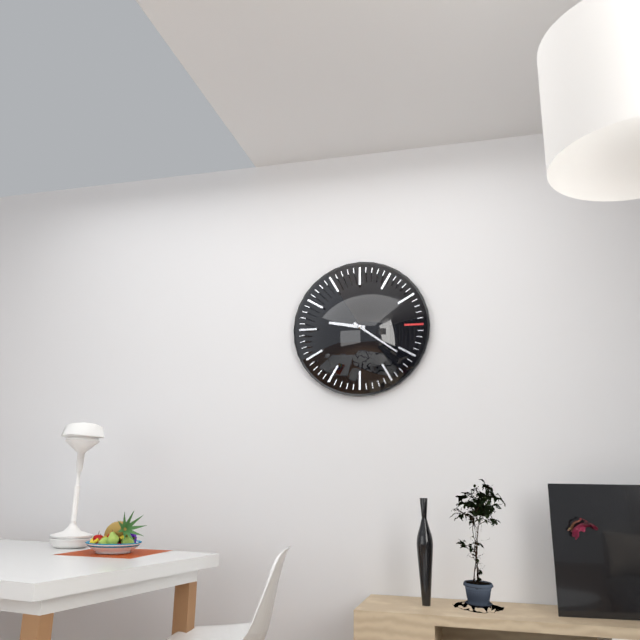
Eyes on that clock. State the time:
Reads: 9:21
